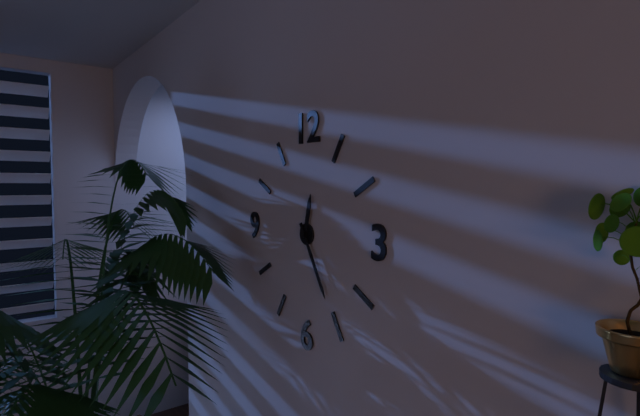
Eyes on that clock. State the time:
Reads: 12:25
